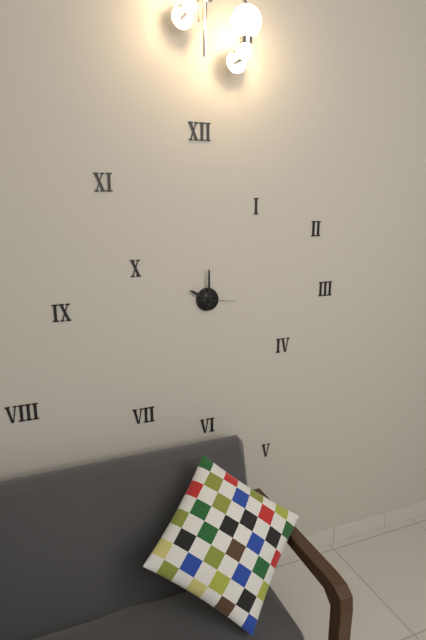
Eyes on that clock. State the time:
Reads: 10:00
